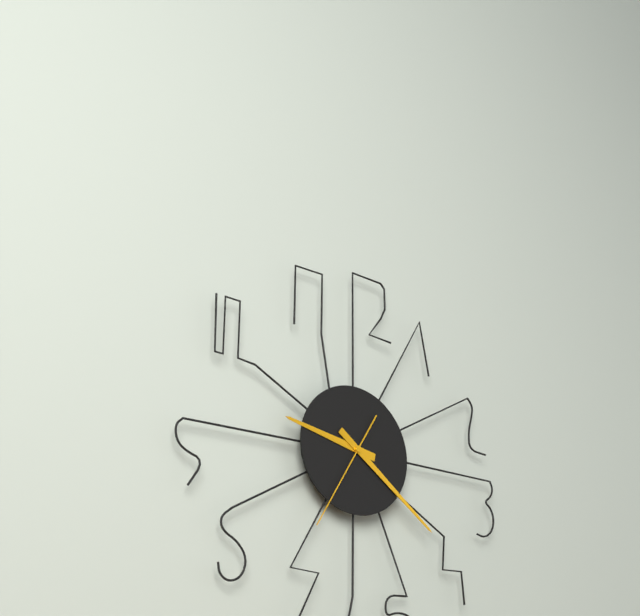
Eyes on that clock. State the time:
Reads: 9:21:35
